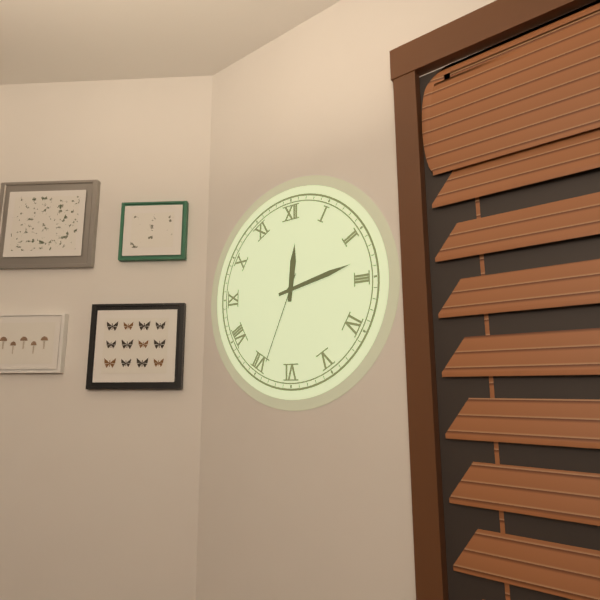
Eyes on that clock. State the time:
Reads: 12:13:34
